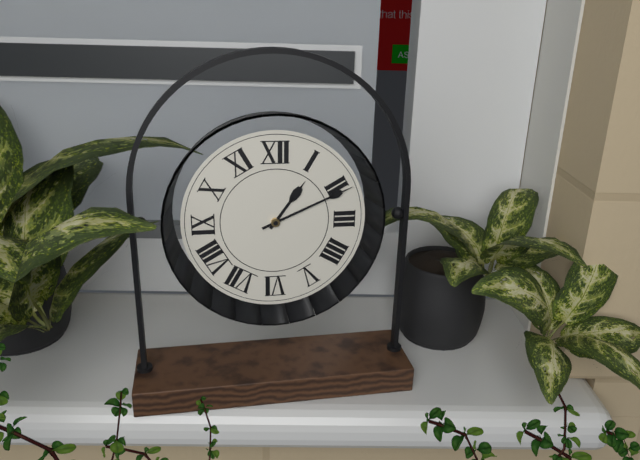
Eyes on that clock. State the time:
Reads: 1:11
